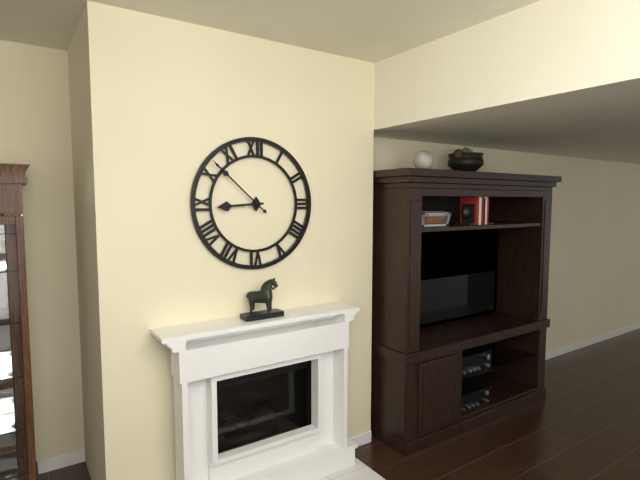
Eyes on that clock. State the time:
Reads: 8:52:52
